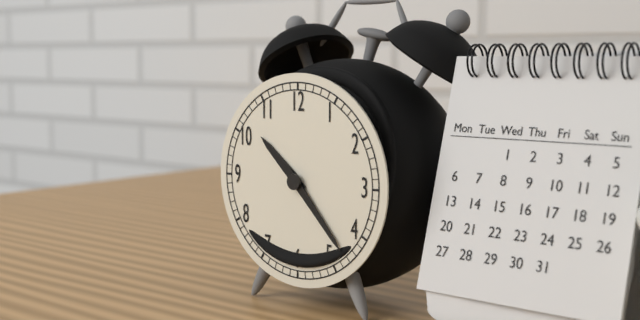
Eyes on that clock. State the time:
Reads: 10:23
